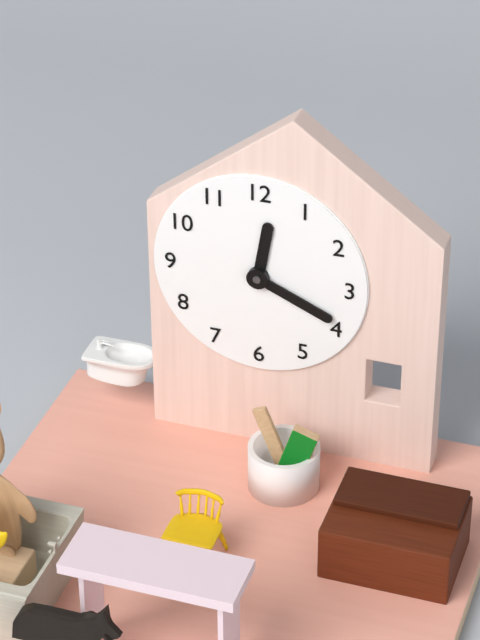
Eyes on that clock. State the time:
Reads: 12:19
